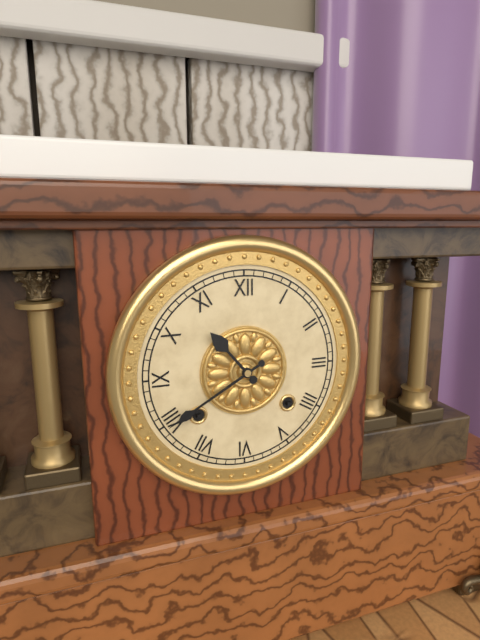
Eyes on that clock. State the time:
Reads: 10:40
